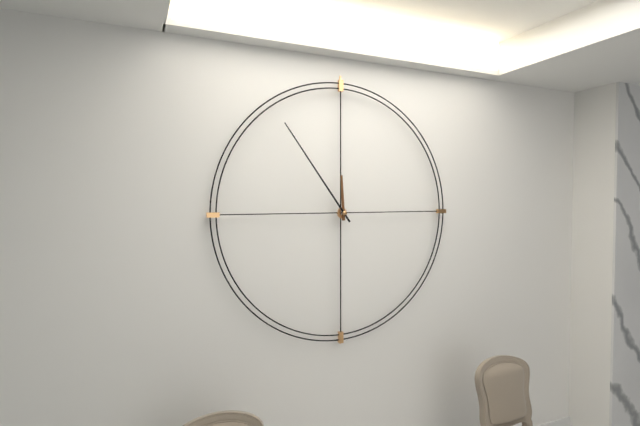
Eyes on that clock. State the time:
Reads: 11:54
